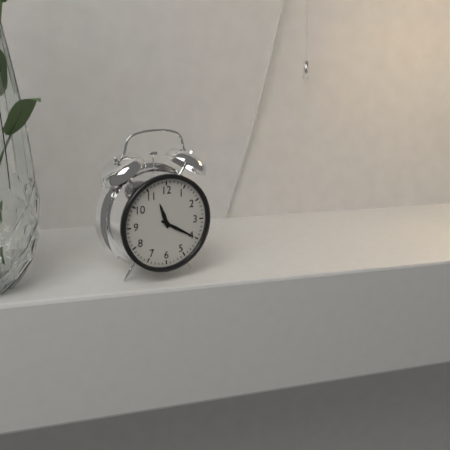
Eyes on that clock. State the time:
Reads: 11:20
